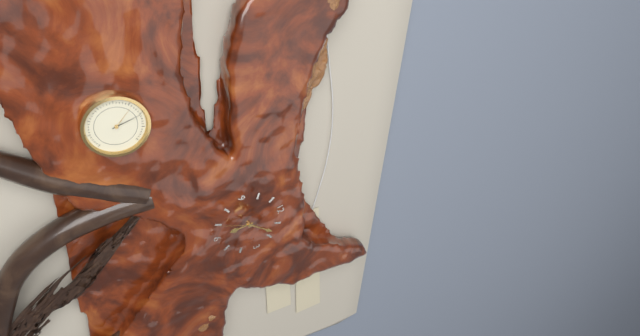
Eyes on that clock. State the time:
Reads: 6:08
